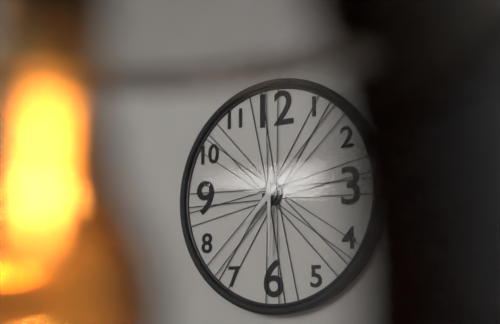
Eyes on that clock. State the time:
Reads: 7:30
